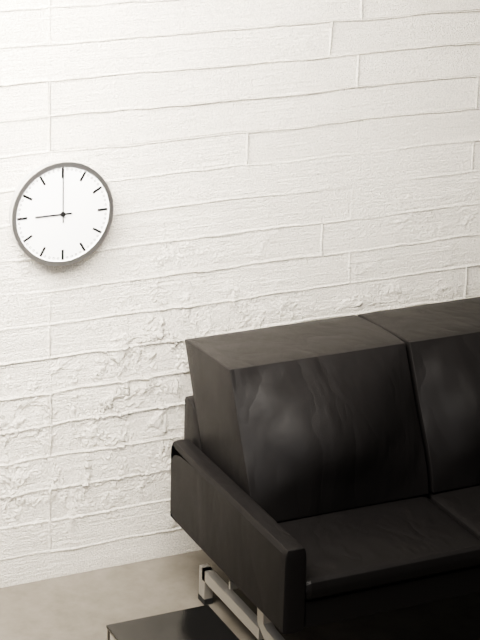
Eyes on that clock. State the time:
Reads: 9:00
